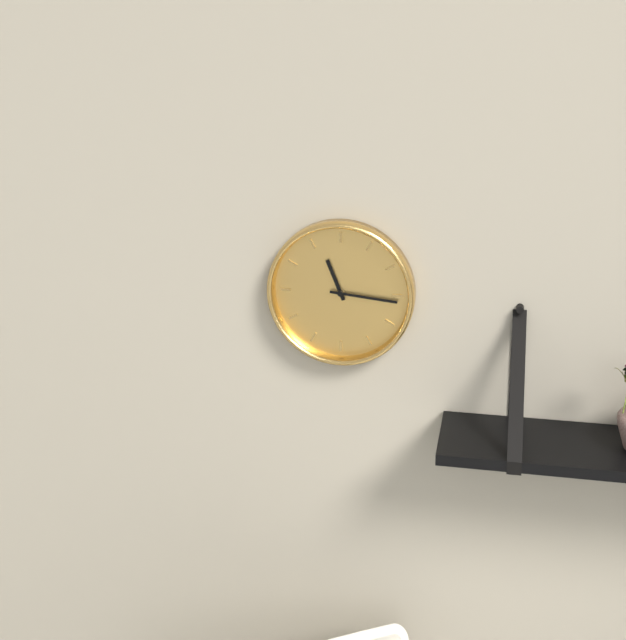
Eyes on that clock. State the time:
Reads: 11:16
